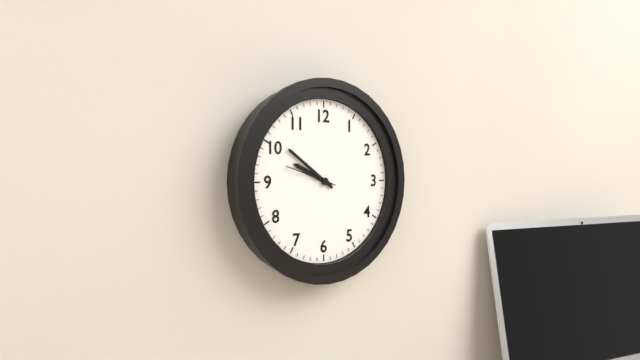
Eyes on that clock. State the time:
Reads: 9:51:48
